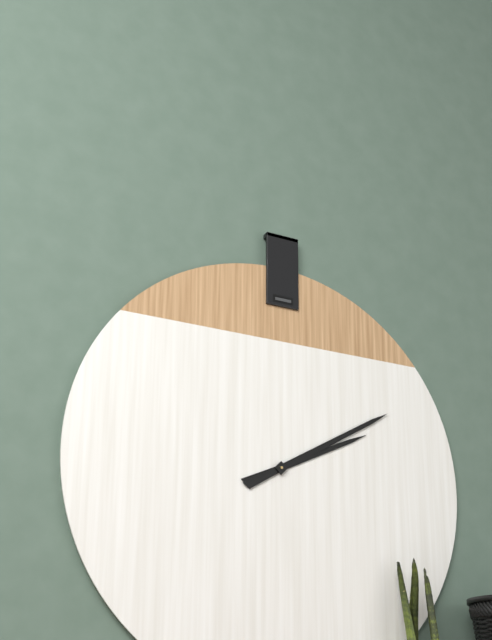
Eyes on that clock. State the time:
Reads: 2:10
